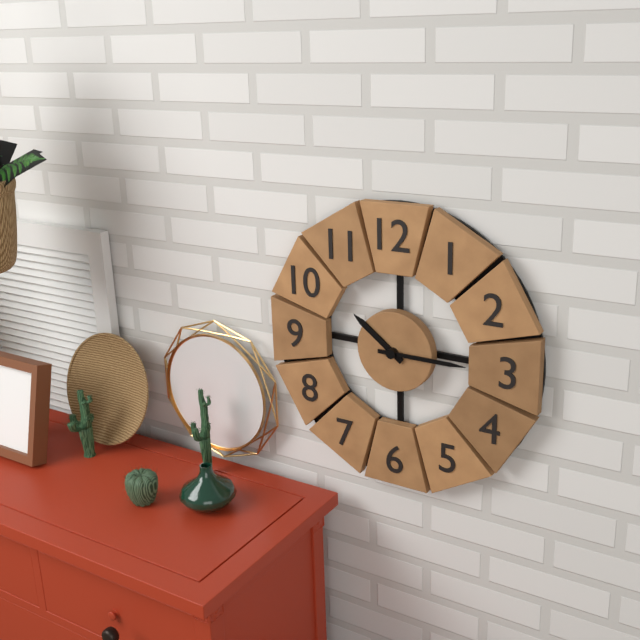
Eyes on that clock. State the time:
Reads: 10:15
